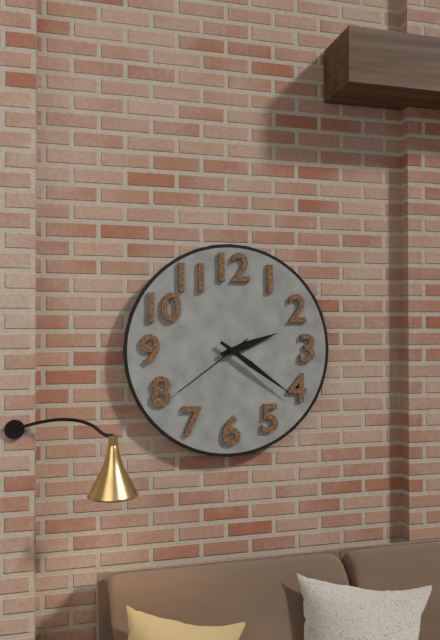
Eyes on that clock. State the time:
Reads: 2:21:39
